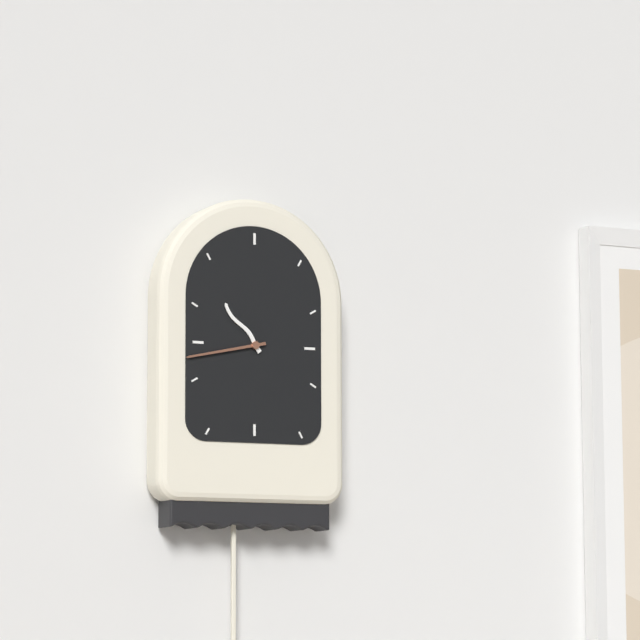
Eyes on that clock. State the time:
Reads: 10:43
